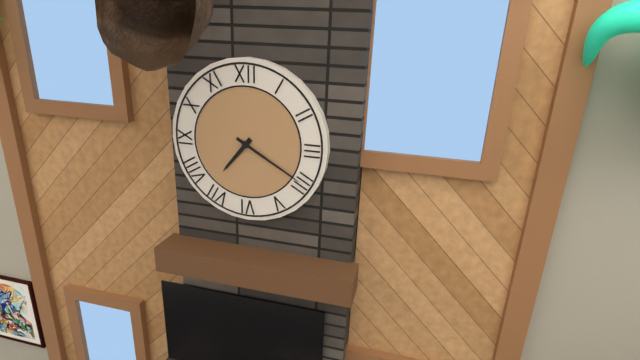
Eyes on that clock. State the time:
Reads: 7:20
